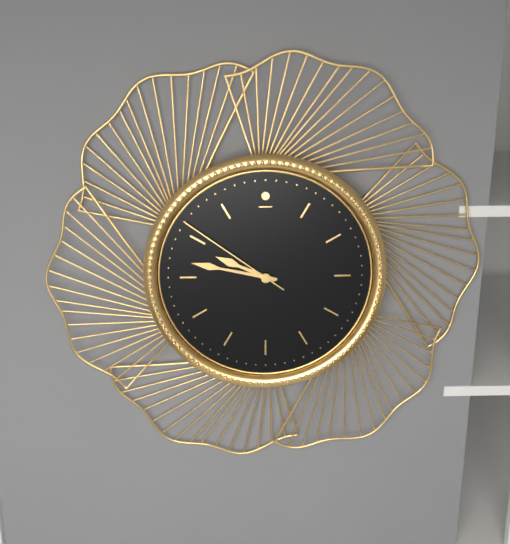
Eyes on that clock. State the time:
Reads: 9:47:51
